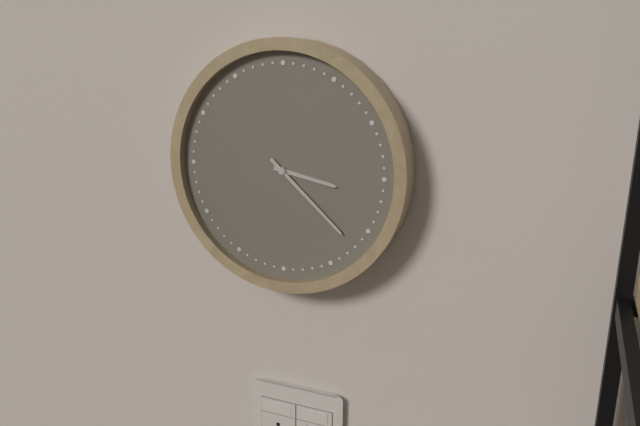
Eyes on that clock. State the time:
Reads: 3:22
